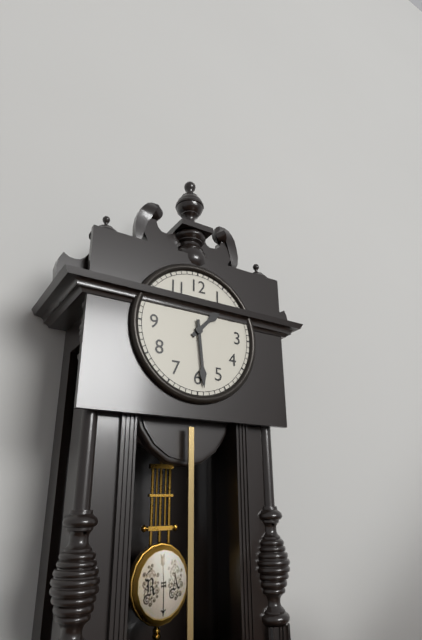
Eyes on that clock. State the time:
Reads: 1:29
